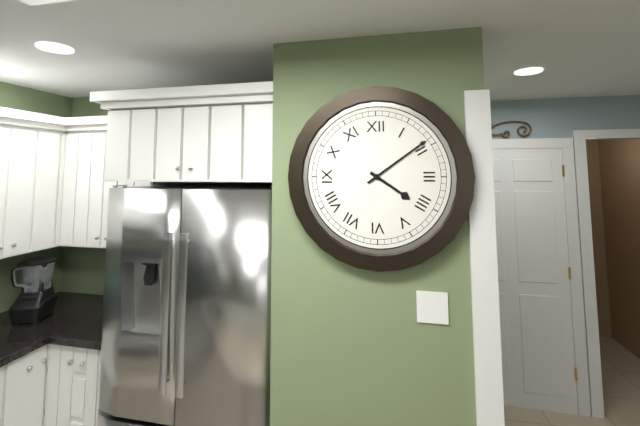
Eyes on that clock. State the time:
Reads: 4:09
